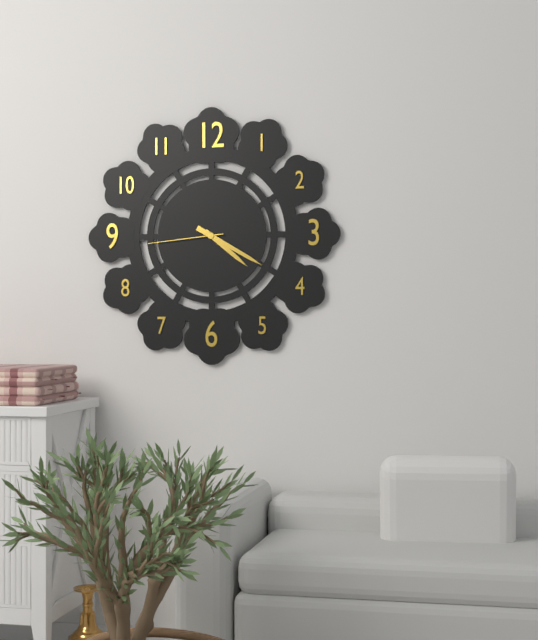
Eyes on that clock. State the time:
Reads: 4:20:44
